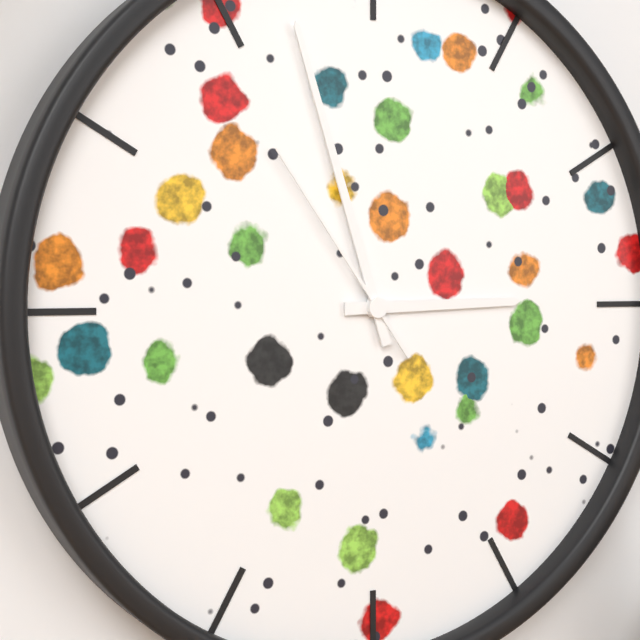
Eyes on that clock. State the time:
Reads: 2:57:54
